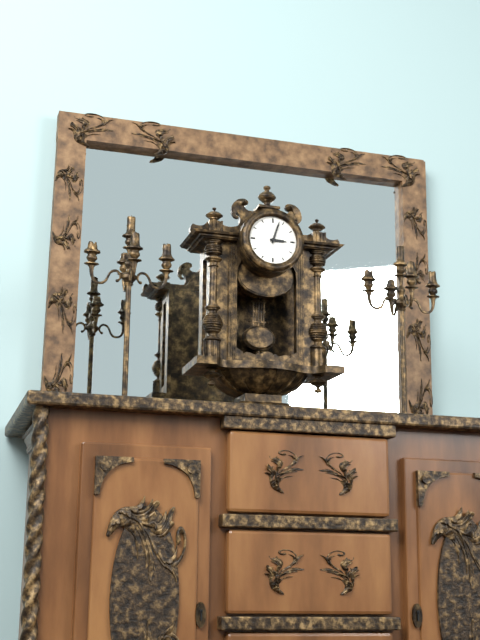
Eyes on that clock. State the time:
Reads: 3:03
